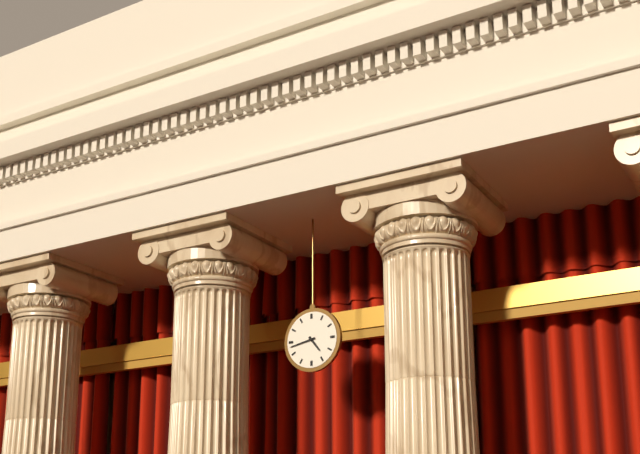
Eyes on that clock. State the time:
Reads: 4:43
